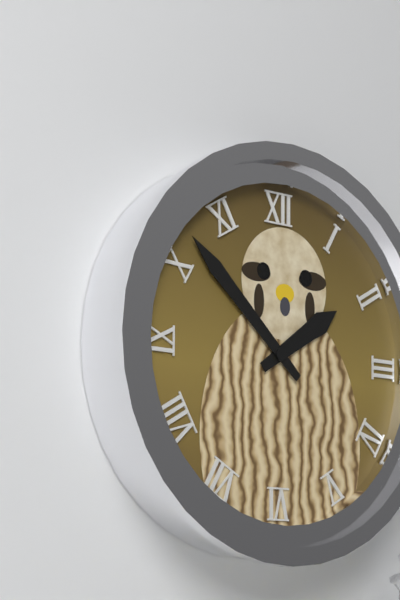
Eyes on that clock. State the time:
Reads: 1:52
